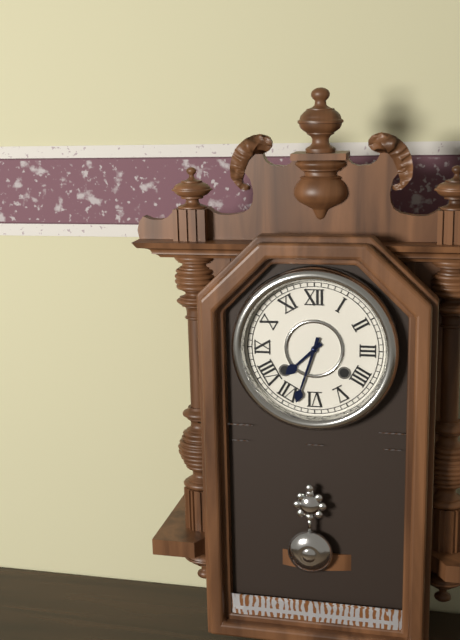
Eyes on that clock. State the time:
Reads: 7:33
